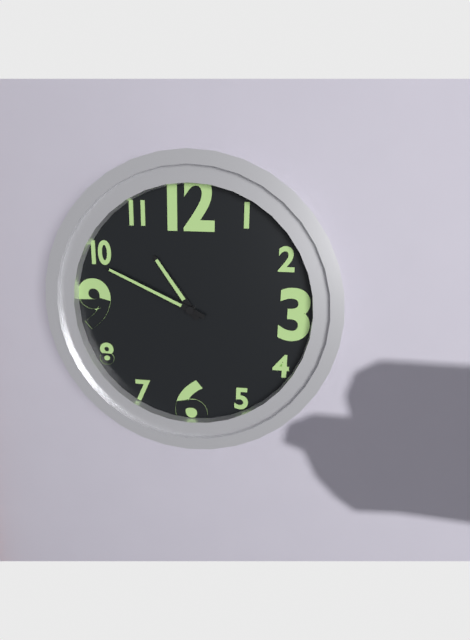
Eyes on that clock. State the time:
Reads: 10:49
